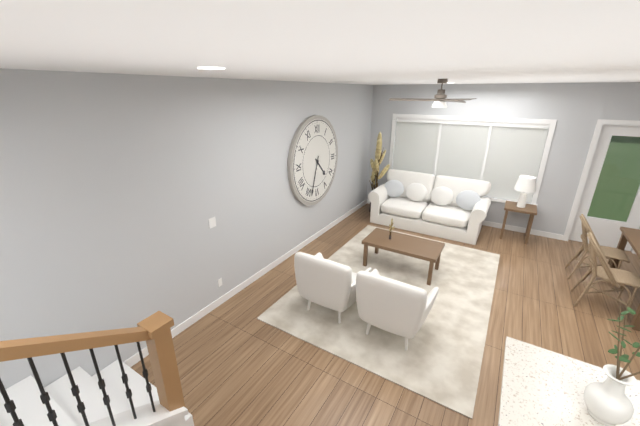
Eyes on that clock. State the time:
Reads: 4:33
